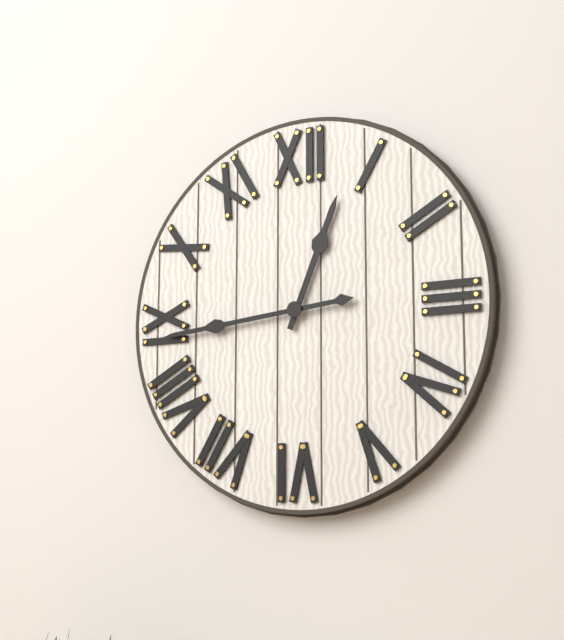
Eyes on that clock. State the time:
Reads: 12:44
